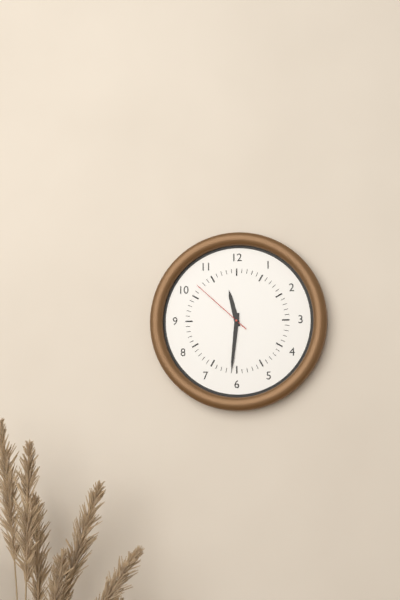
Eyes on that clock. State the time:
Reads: 11:31:52
